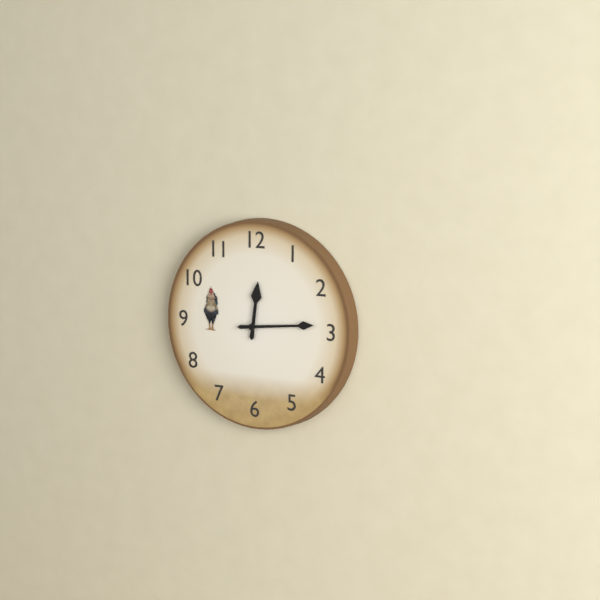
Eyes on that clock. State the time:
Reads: 12:14
